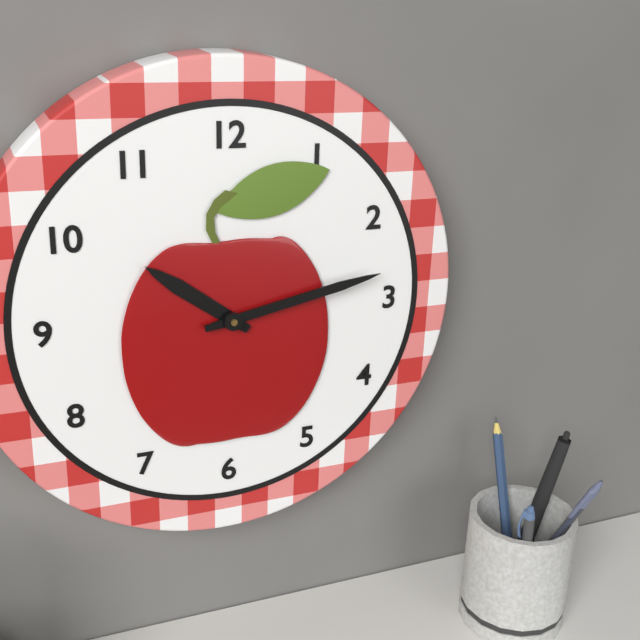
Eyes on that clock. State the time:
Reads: 10:13
